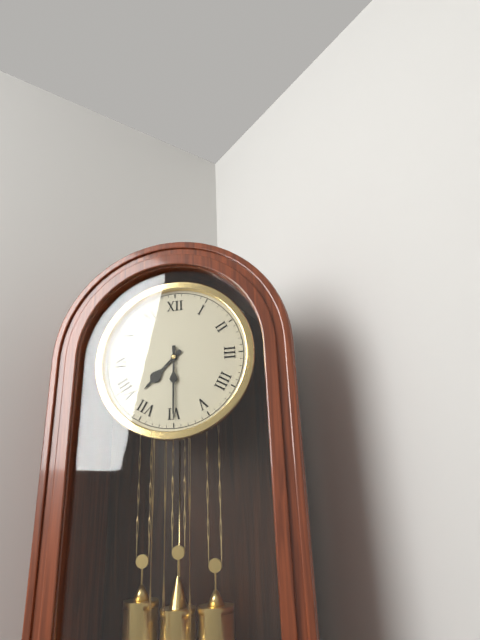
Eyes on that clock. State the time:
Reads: 7:30
